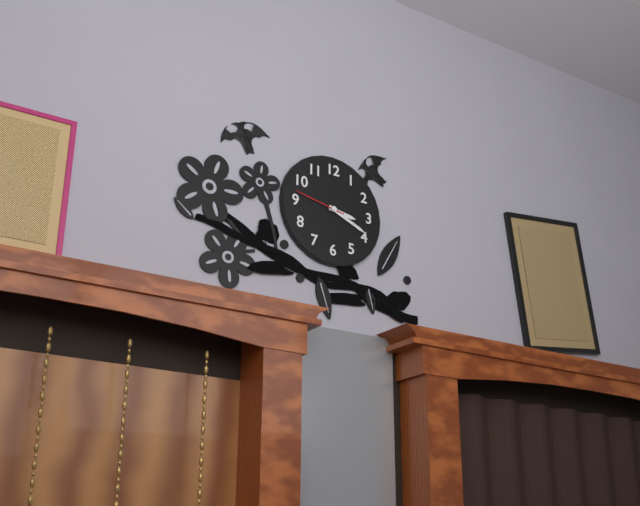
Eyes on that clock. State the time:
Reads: 3:19:47
